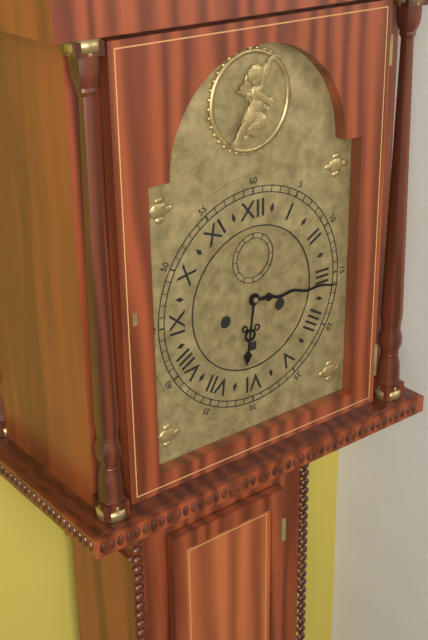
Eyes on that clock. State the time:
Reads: 6:16
